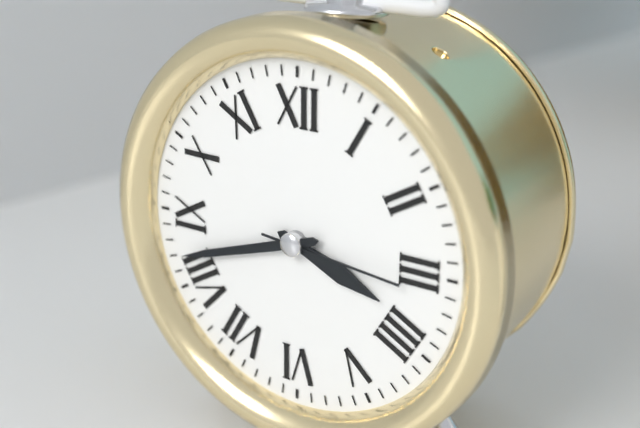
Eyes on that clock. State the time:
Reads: 3:42:16
